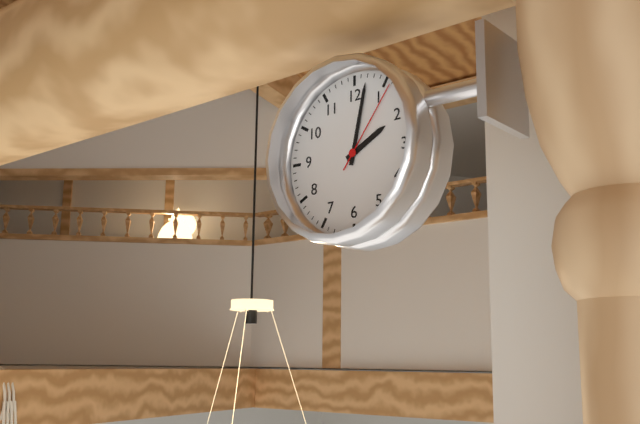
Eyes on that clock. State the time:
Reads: 2:02:06
